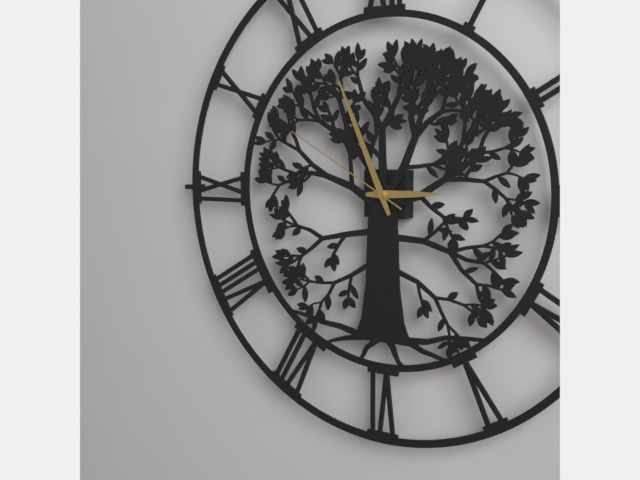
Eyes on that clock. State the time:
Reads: 2:56:50
